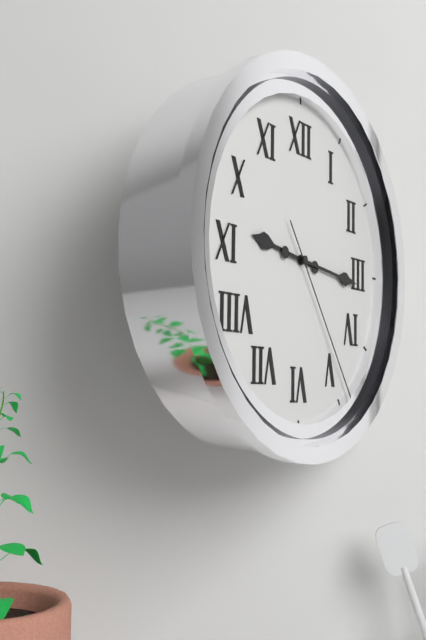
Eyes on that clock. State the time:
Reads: 9:16:24
